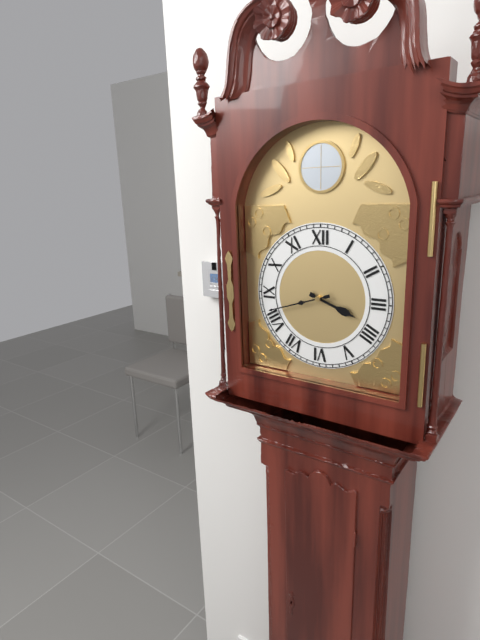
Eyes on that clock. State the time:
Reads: 3:42
